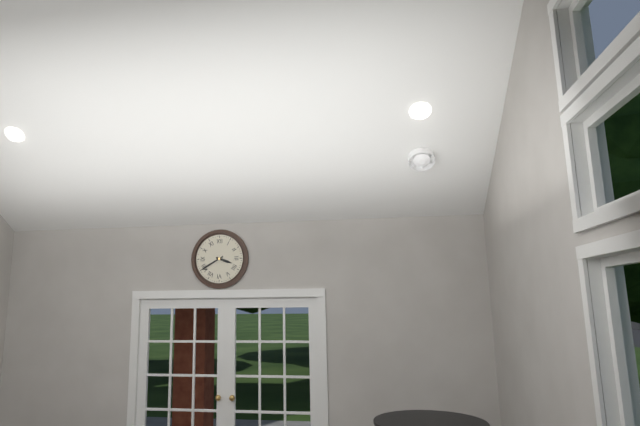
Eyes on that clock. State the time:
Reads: 3:40
